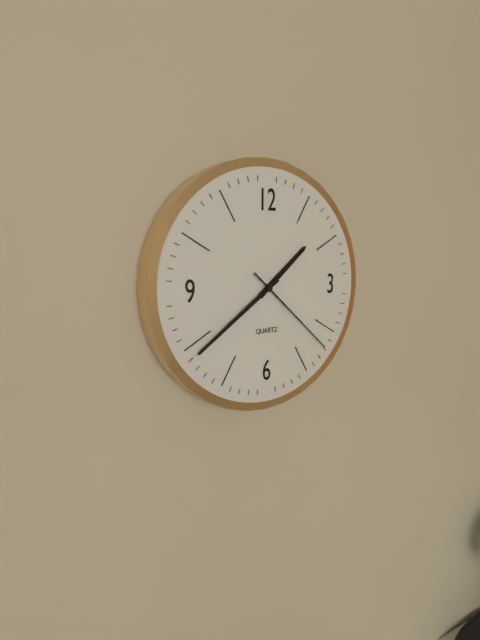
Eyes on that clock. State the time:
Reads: 1:39:22
